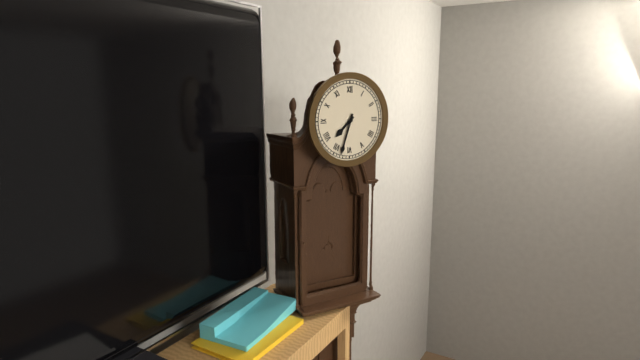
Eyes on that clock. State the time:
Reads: 7:33
